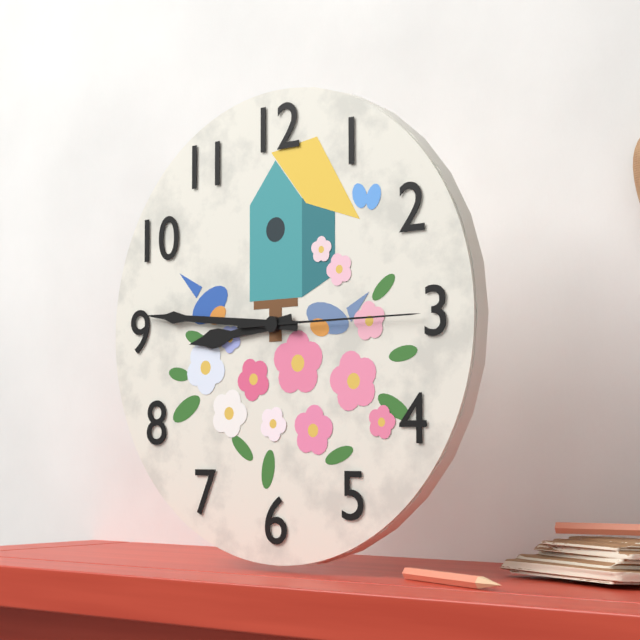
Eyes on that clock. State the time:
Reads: 8:46:15
